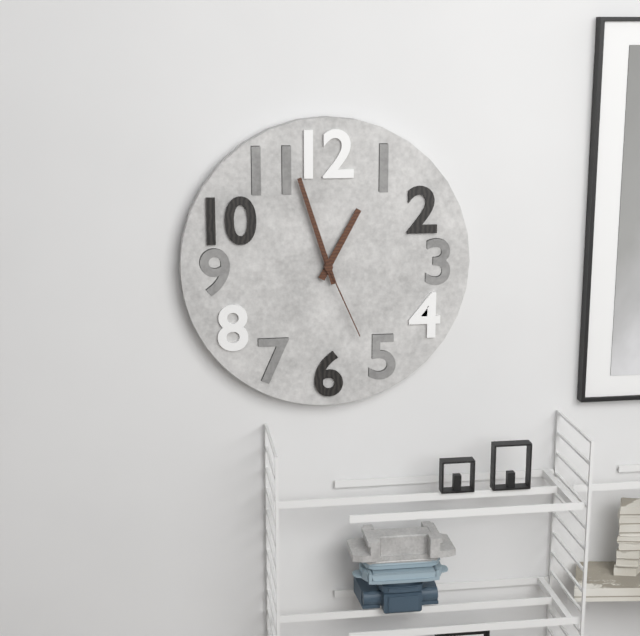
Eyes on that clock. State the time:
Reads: 12:57:26
